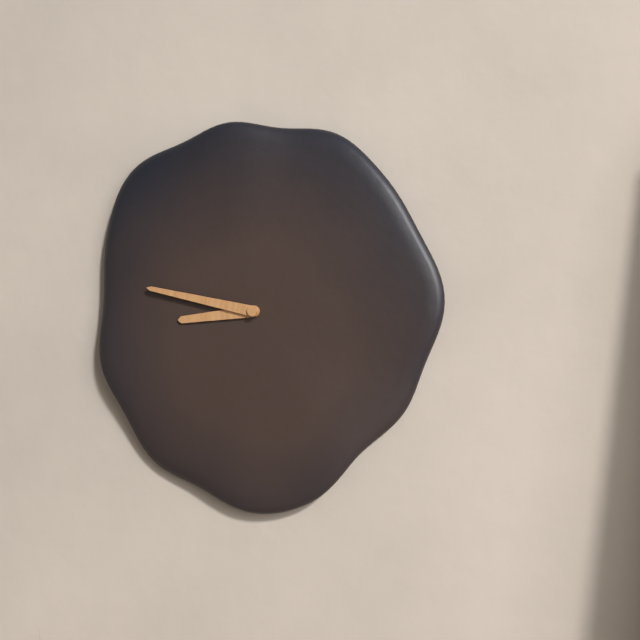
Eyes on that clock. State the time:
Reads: 8:47
